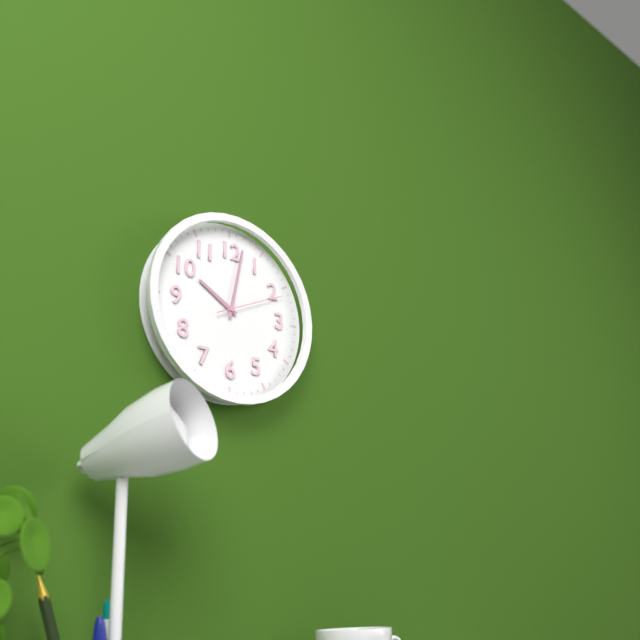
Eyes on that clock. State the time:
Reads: 10:02:11
